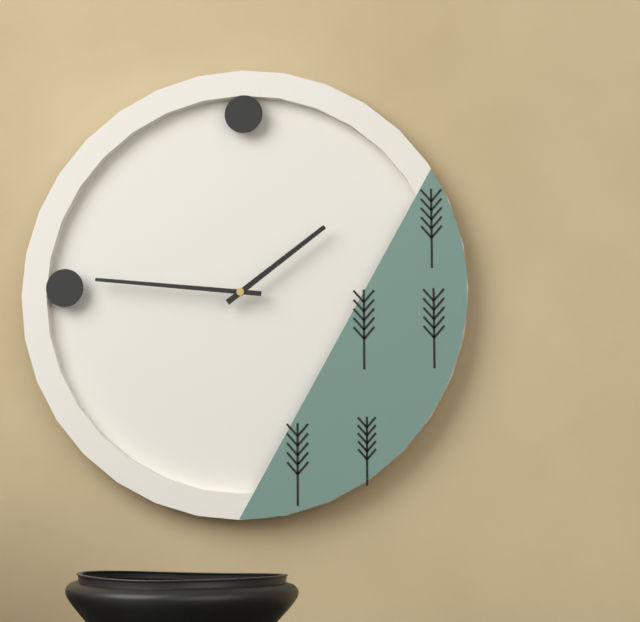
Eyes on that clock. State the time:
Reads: 1:46
